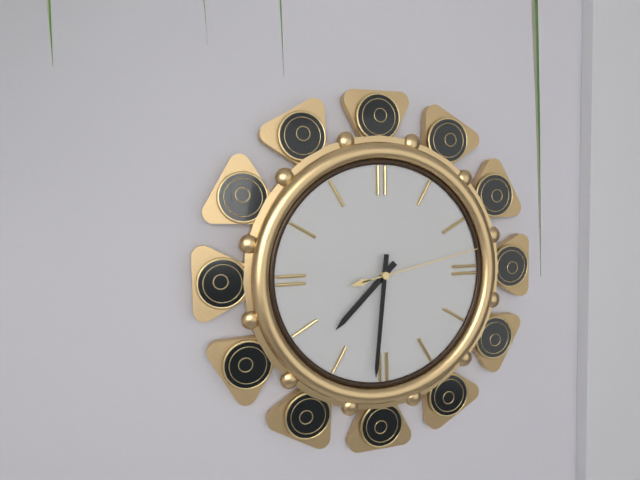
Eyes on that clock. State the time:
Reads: 7:31:13
